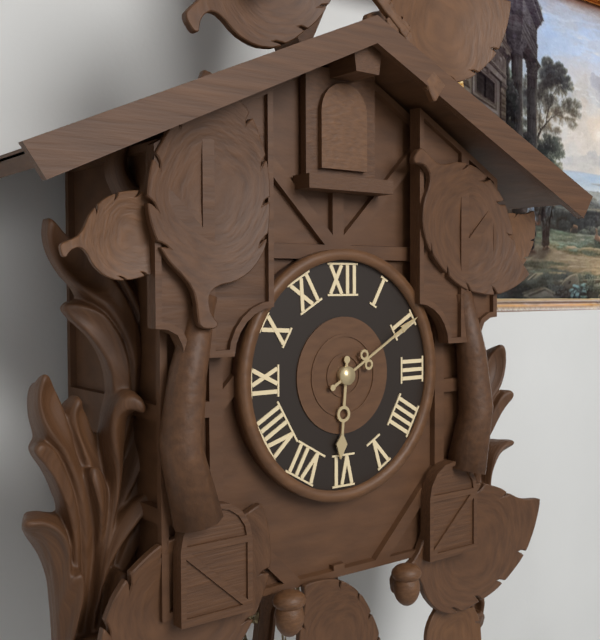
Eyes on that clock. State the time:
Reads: 6:10
